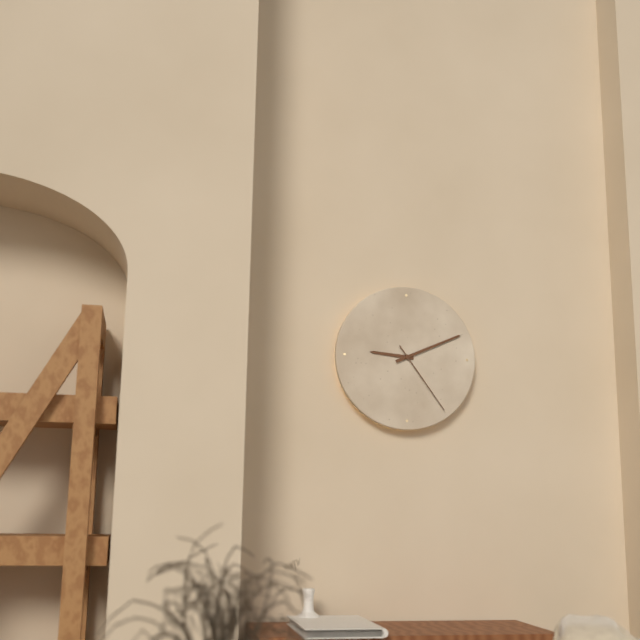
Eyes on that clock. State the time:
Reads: 9:11:24
